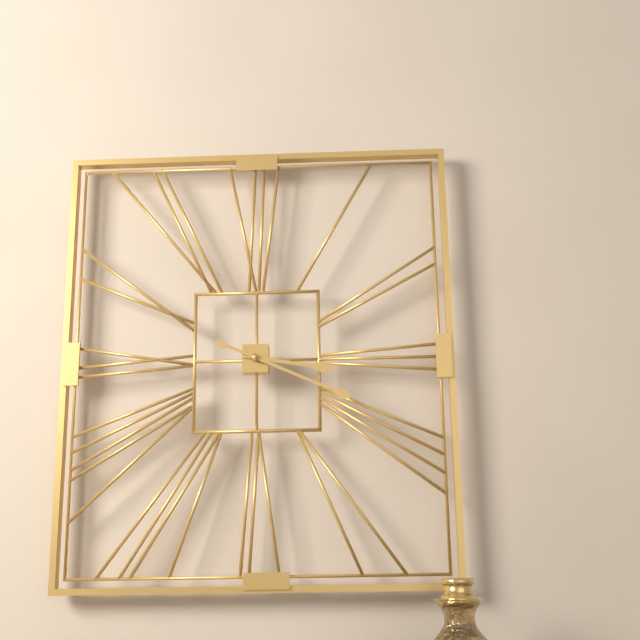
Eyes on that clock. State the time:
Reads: 3:19
